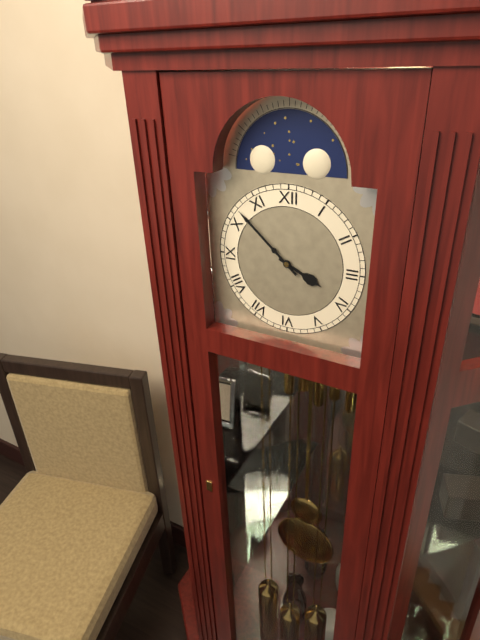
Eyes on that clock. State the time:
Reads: 3:52
